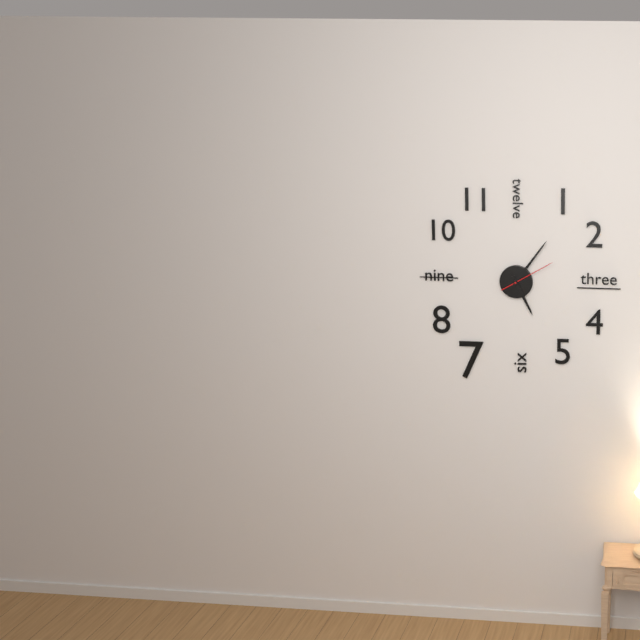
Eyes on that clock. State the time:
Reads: 5:06:10
